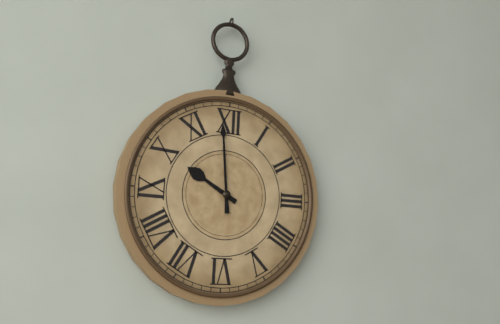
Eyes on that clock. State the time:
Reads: 9:59
